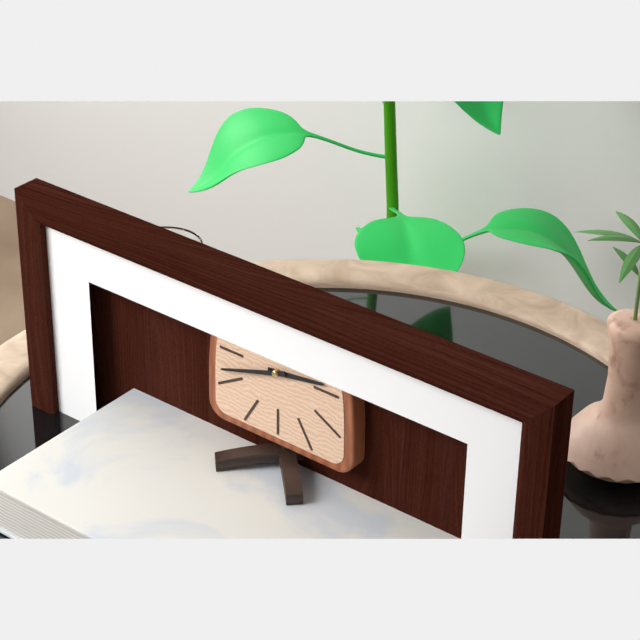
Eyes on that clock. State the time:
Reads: 2:42
